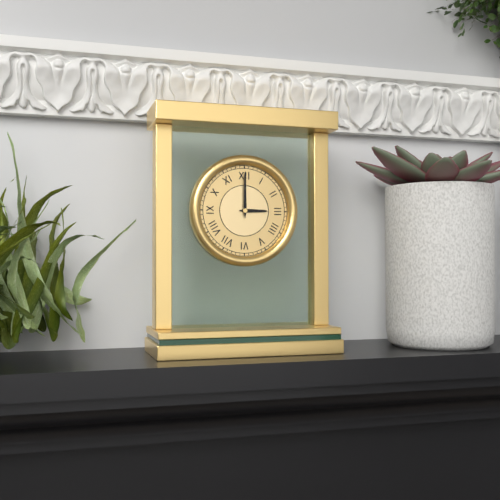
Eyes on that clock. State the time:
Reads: 3:00
